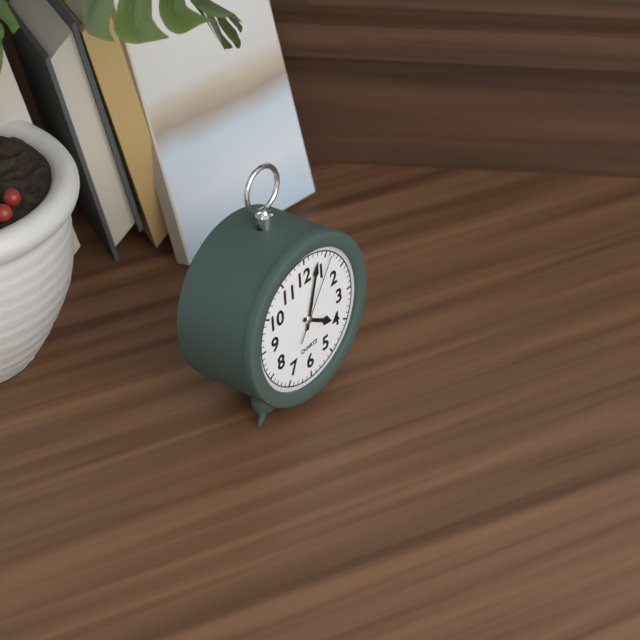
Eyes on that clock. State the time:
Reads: 4:03:06
